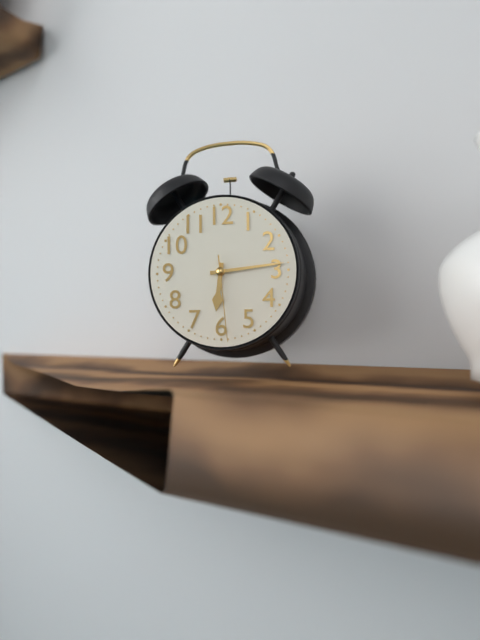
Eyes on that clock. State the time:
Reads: 6:14:29
